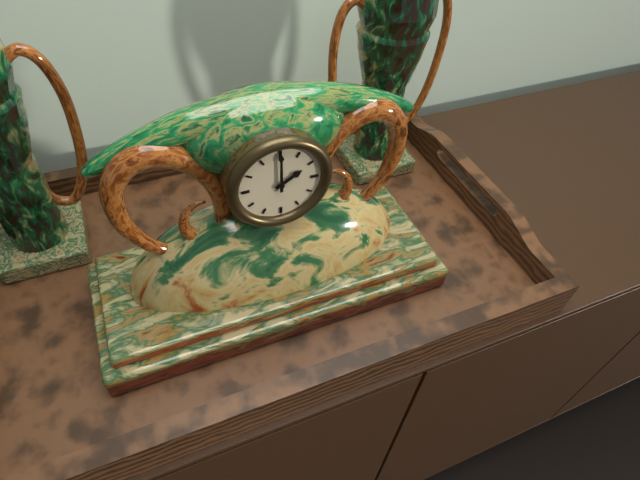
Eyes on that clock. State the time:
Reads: 2:00
